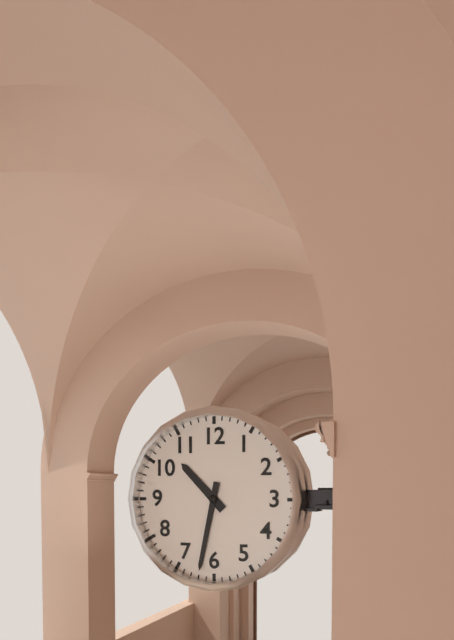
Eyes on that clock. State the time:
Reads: 10:32
